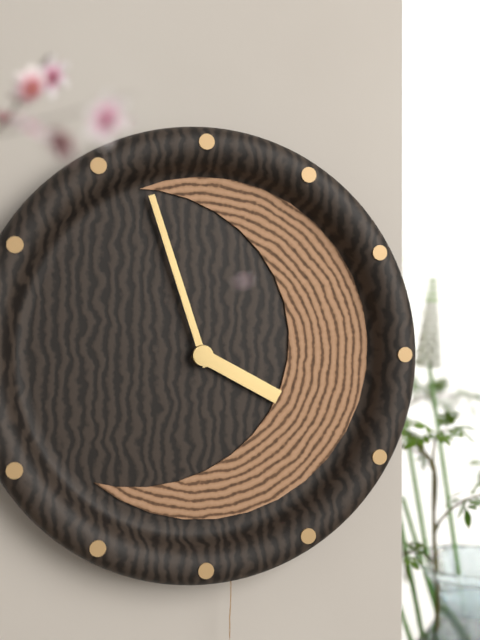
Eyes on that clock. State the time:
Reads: 3:57
